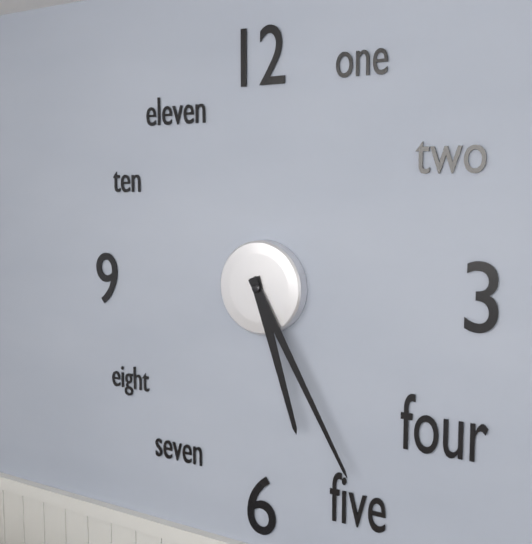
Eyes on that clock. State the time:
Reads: 5:25
